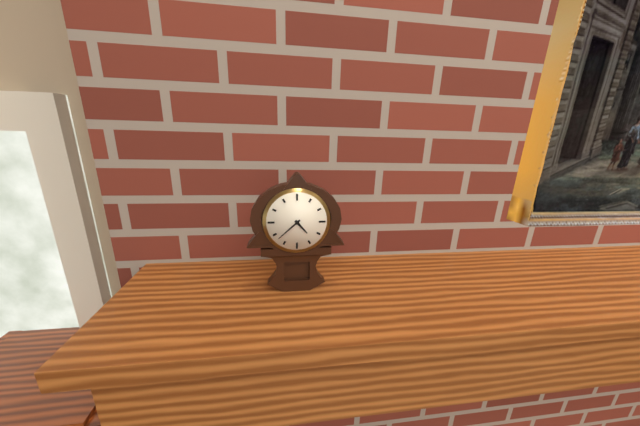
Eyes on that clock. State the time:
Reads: 4:38
